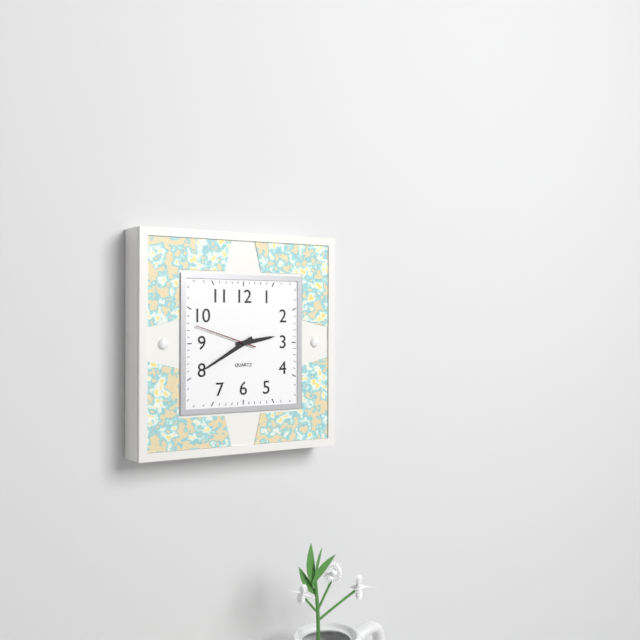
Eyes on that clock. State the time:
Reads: 2:40:48
